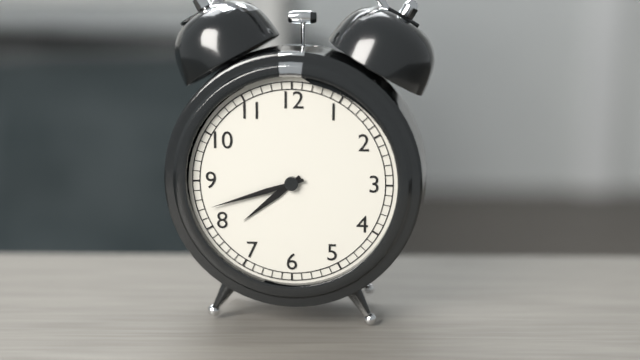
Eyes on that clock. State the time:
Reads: 7:42
